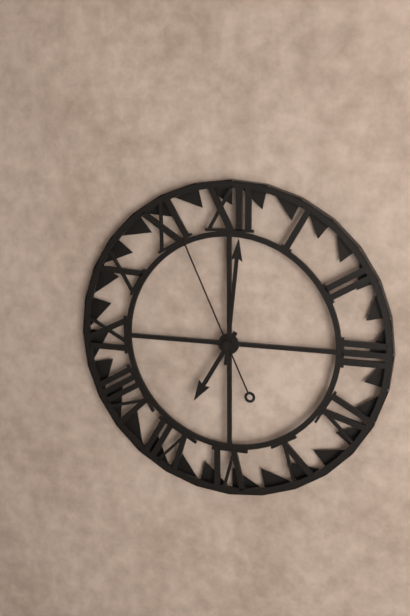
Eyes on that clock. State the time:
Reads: 7:01:56
